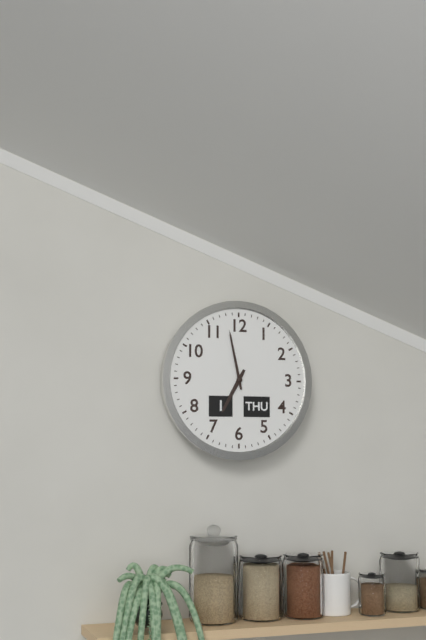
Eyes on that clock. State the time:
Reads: 6:58
